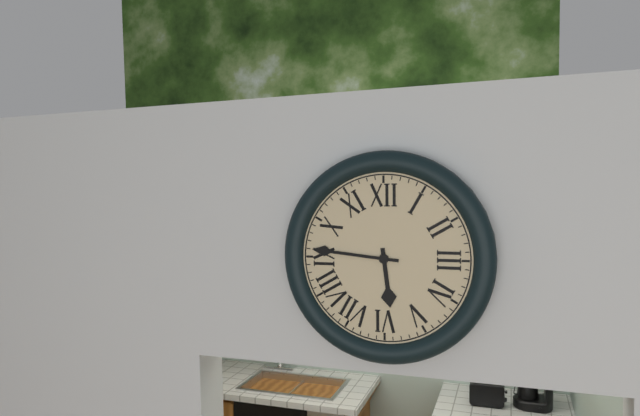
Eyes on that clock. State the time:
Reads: 5:46
